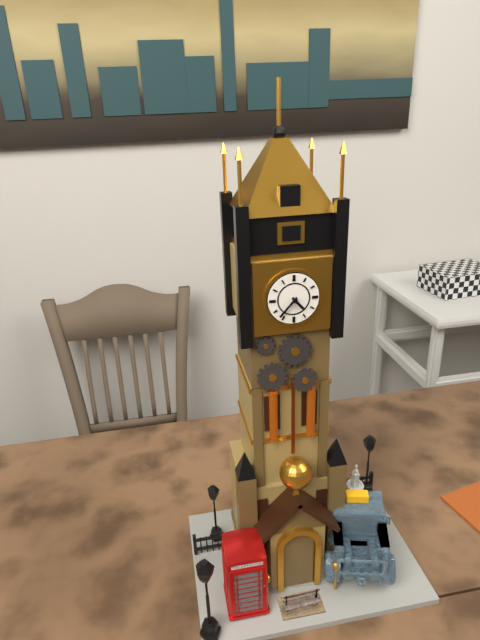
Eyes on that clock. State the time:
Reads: 4:37
